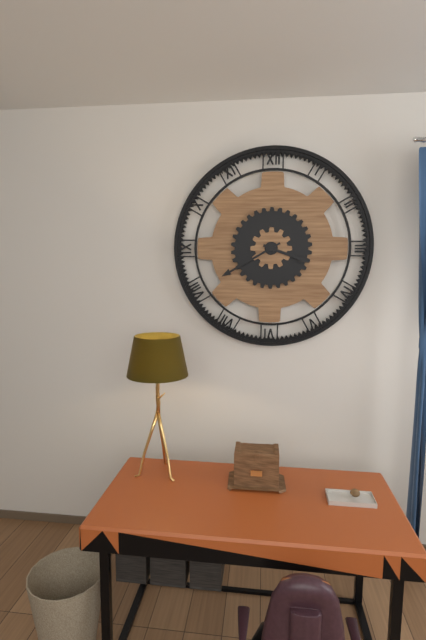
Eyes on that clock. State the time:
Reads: 3:40
